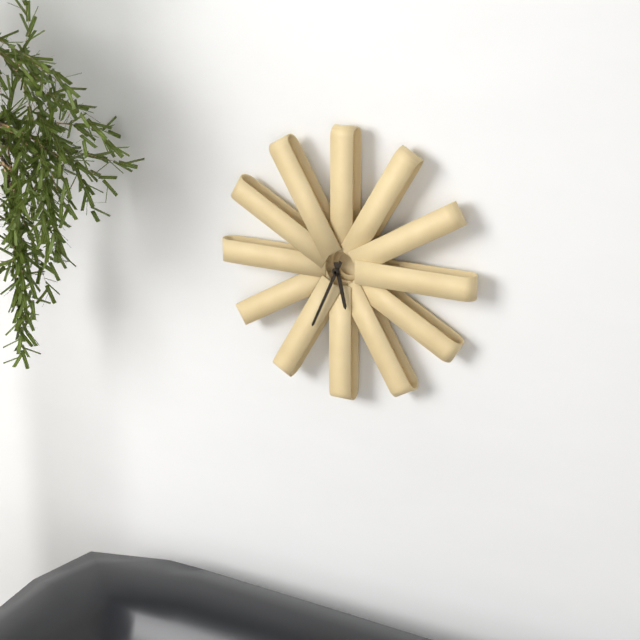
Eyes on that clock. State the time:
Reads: 5:34
